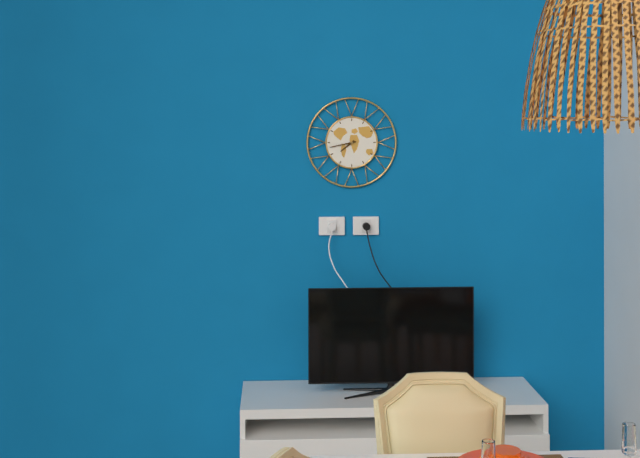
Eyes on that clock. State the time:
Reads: 7:43
